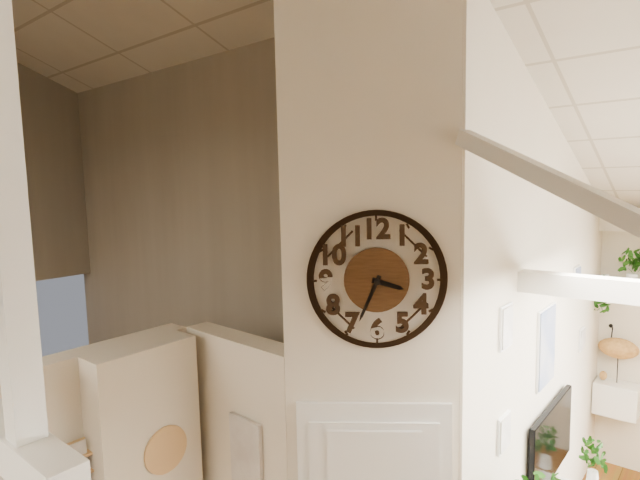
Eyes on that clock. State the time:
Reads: 3:34
